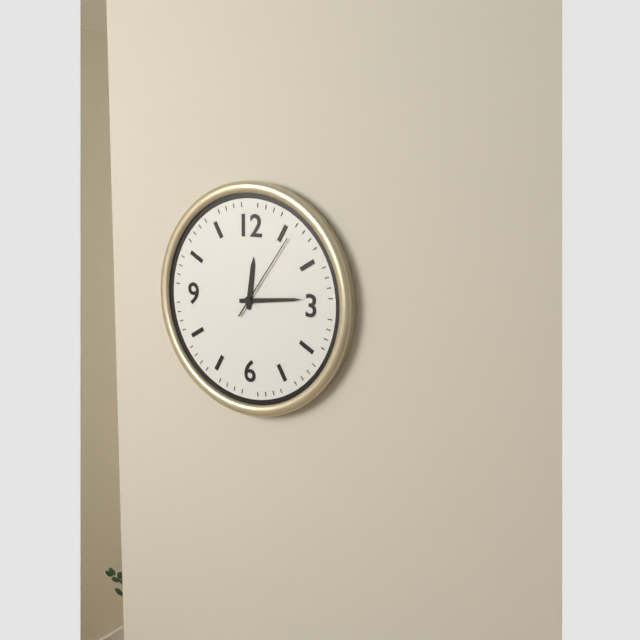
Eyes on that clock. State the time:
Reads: 12:14:06
